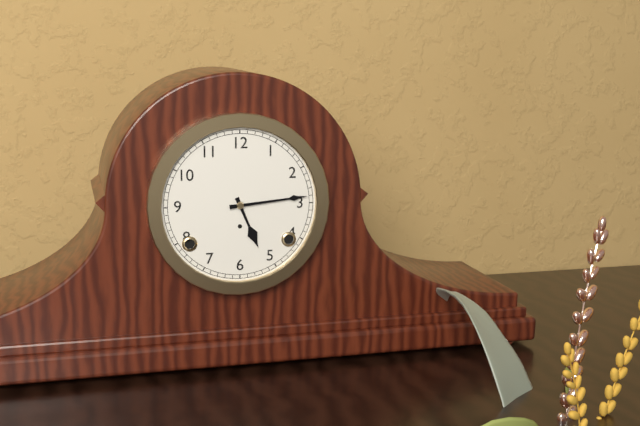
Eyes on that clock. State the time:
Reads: 5:14
